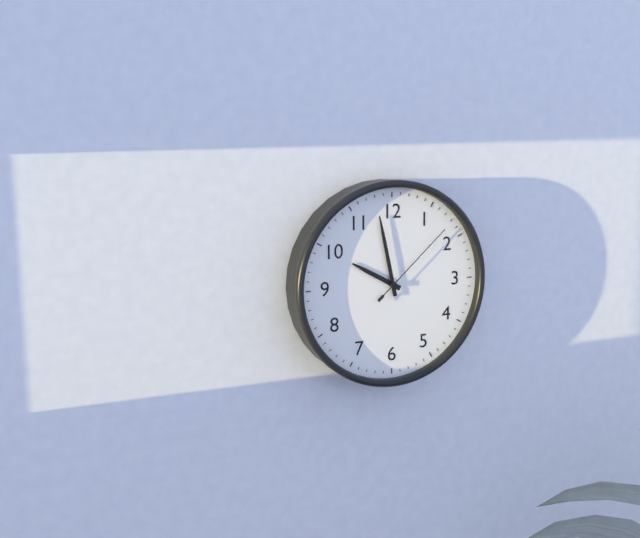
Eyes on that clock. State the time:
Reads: 9:58:08
